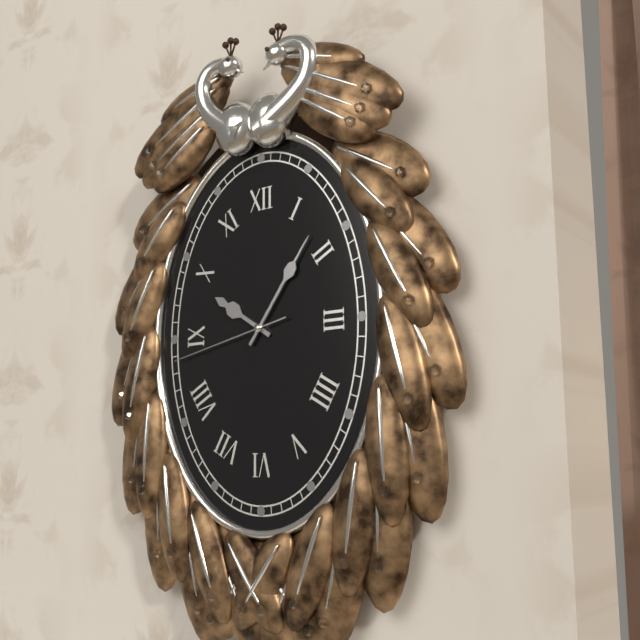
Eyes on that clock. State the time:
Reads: 10:06:43
